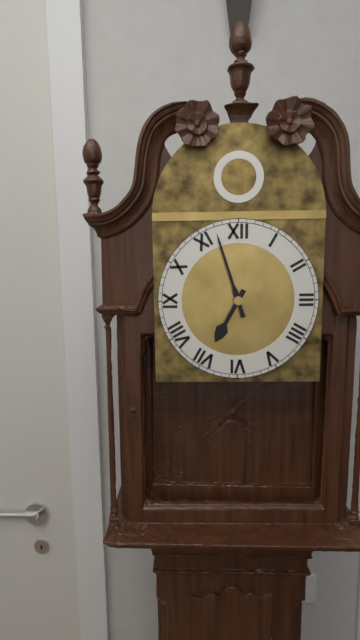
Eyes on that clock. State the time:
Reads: 6:57
